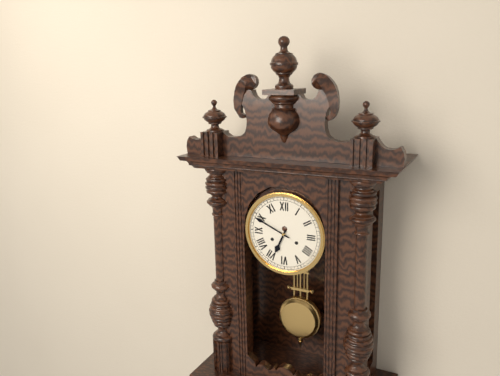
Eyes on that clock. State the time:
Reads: 6:49
